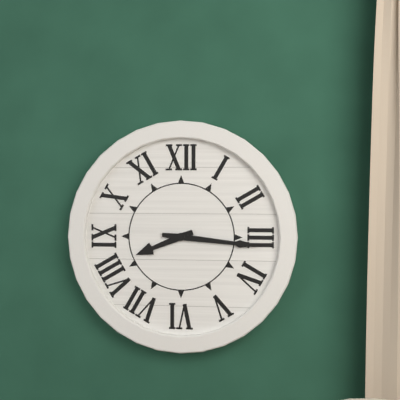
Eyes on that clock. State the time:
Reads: 8:16
